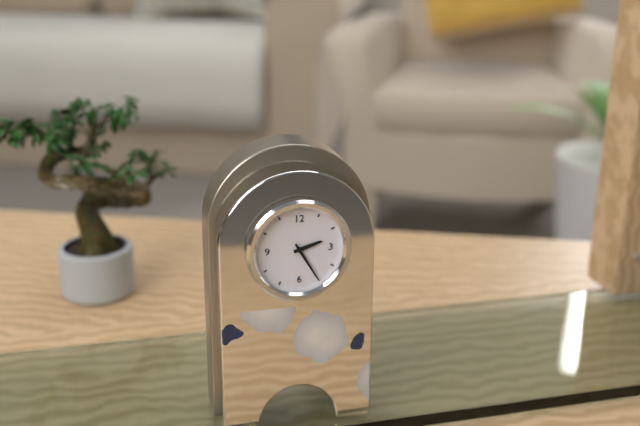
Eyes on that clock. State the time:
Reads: 2:25
